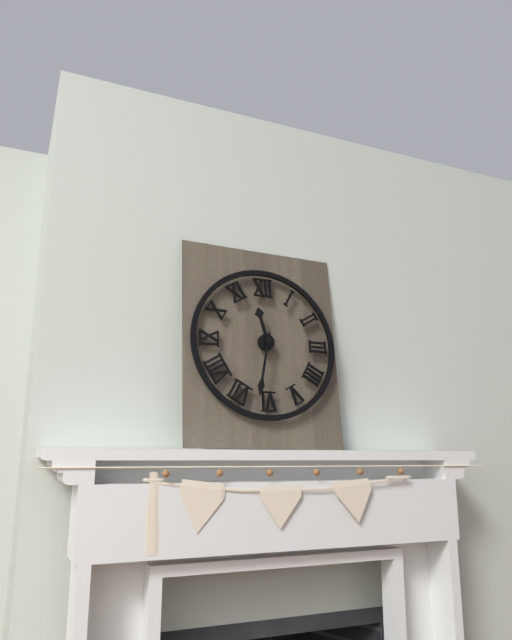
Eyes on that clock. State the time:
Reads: 11:32
